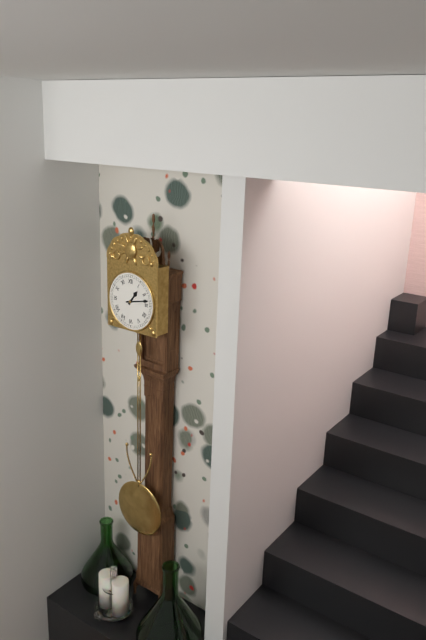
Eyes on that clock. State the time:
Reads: 1:13
